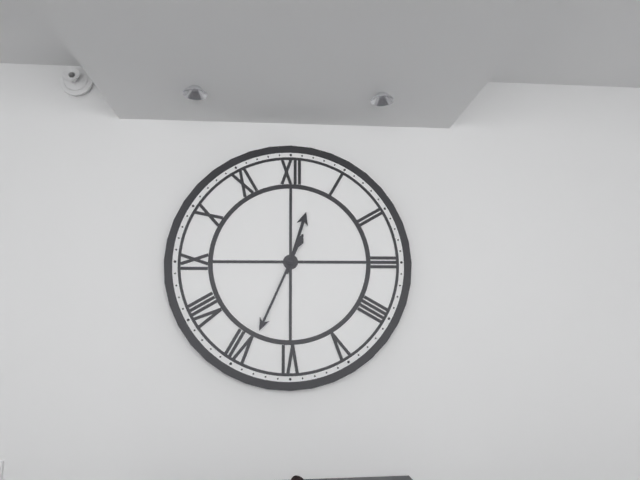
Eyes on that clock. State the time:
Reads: 12:34
